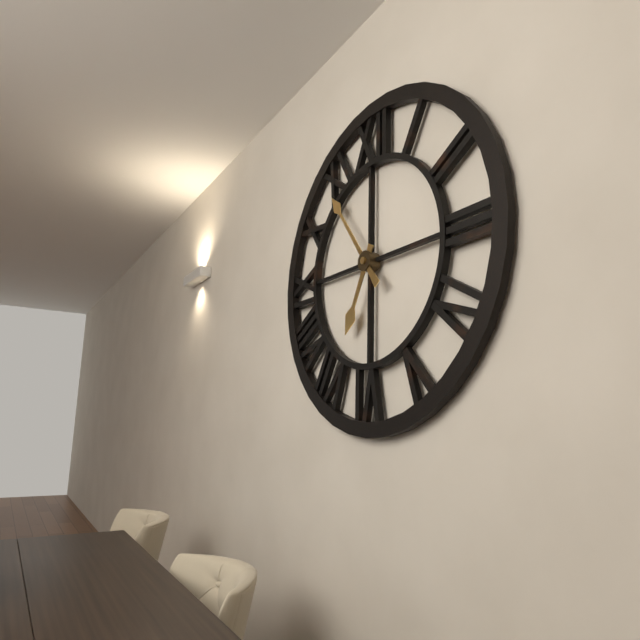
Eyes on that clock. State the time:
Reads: 6:54
